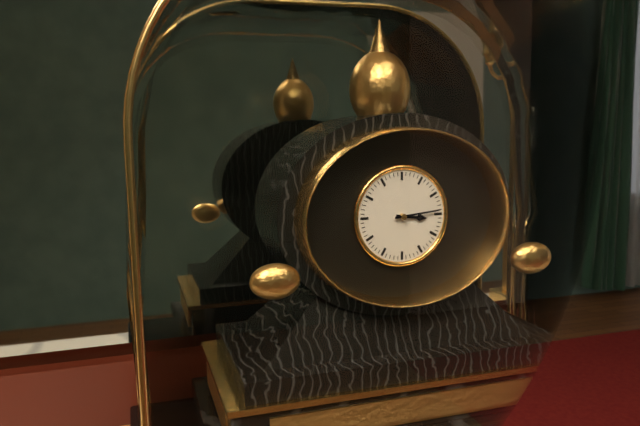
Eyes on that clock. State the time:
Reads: 3:14
